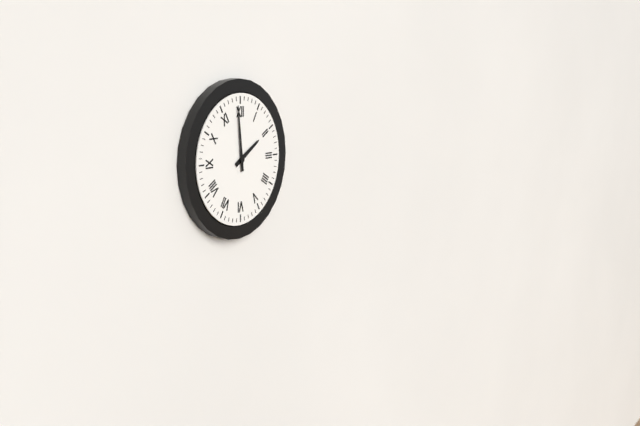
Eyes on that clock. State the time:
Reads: 1:59
